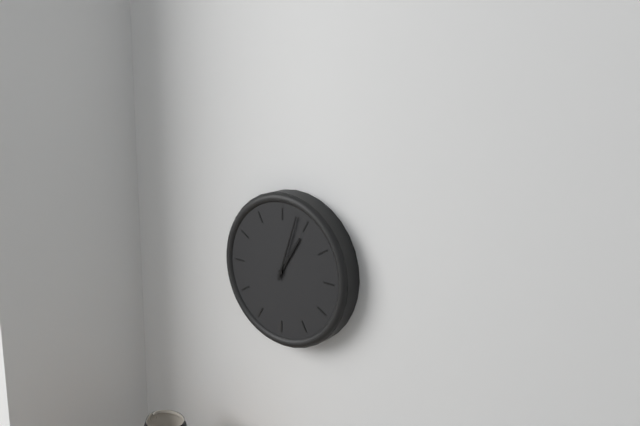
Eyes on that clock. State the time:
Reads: 1:03
